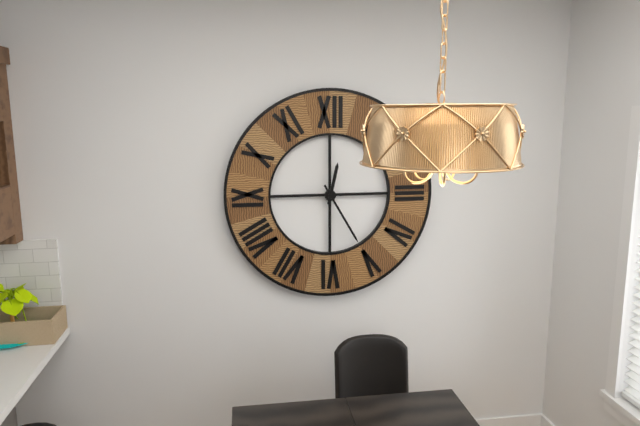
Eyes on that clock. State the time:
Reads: 12:25
